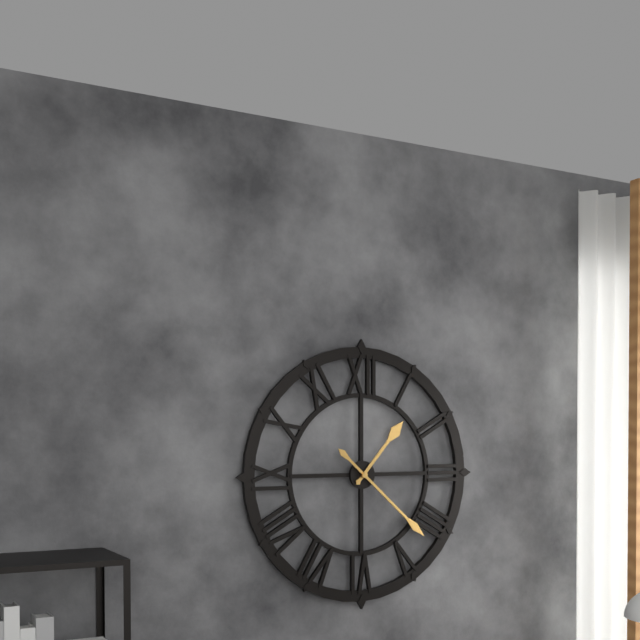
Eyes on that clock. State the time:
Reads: 1:22
